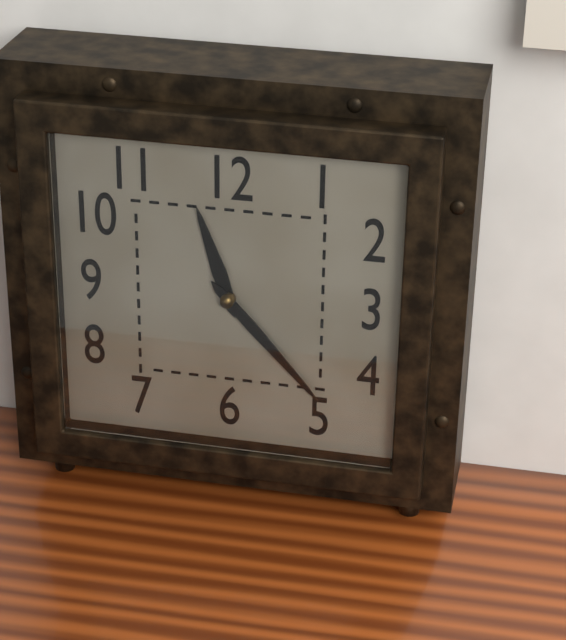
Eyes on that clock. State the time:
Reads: 11:23
